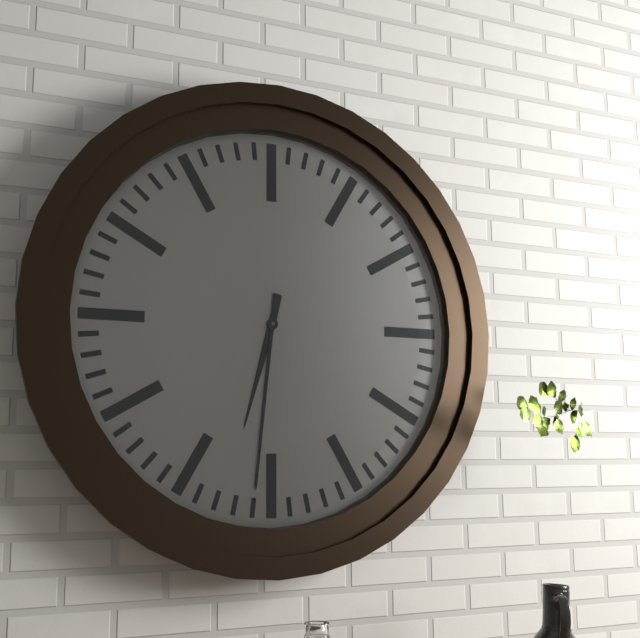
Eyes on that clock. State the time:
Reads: 6:31
